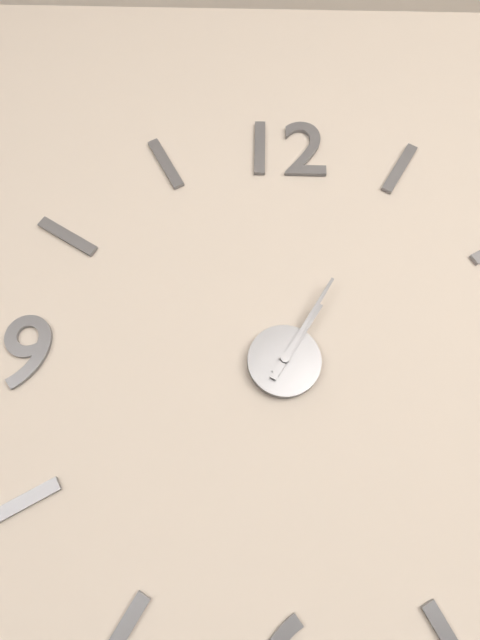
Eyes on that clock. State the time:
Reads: 1:05
